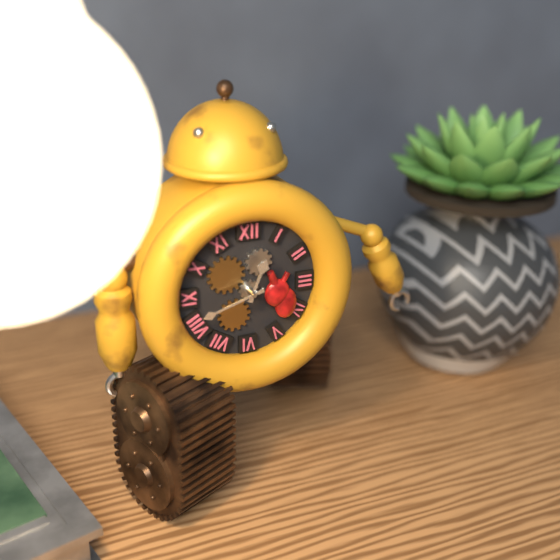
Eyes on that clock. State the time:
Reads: 12:42
